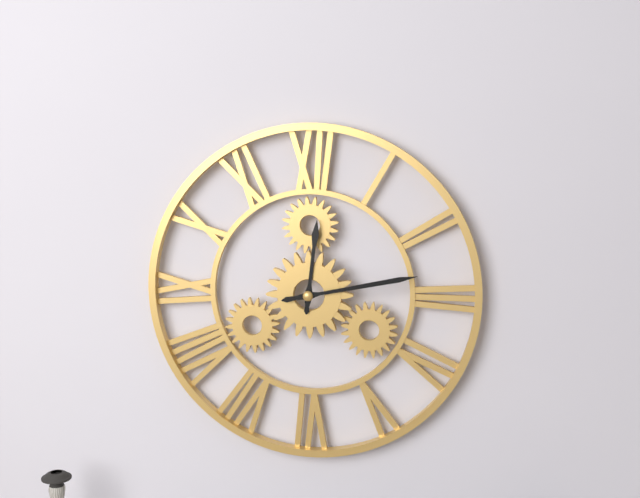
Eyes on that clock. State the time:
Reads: 12:13
